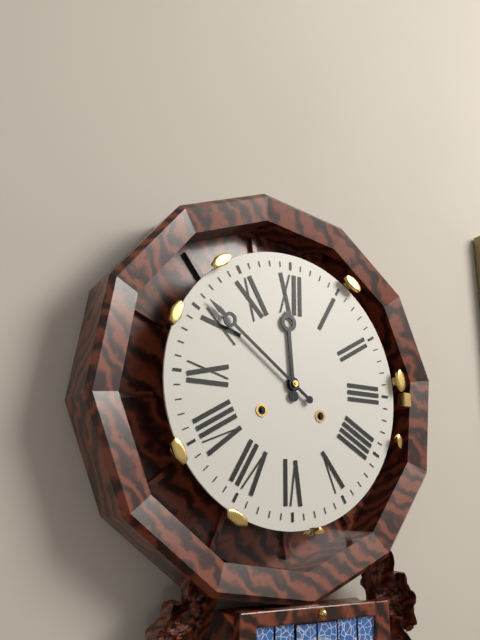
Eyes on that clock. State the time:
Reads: 11:51
